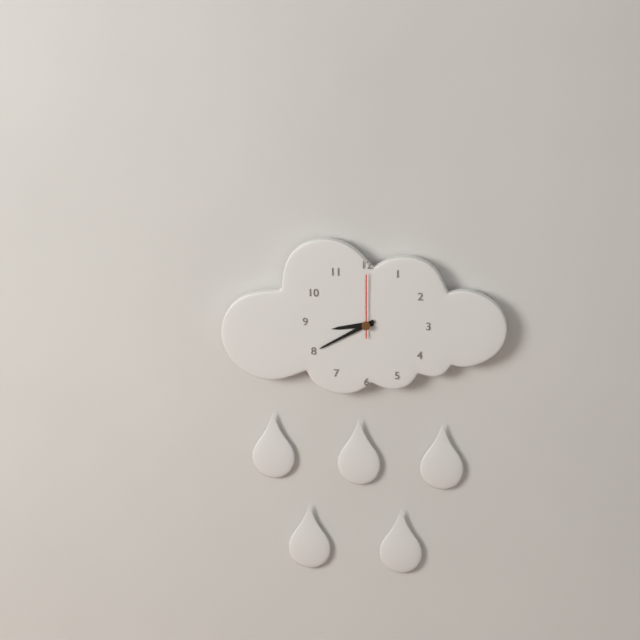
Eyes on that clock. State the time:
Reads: 8:40:00
